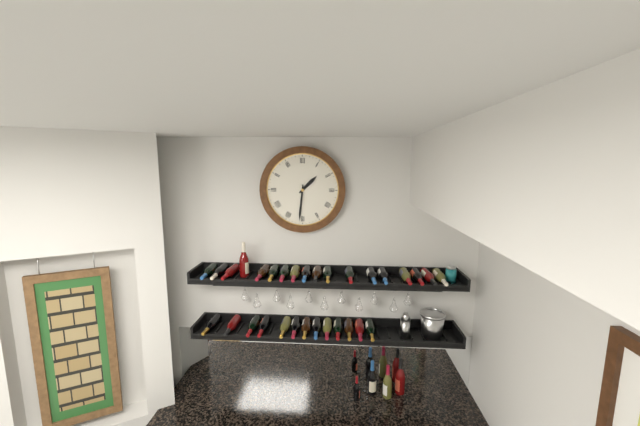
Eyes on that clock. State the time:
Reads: 1:31
